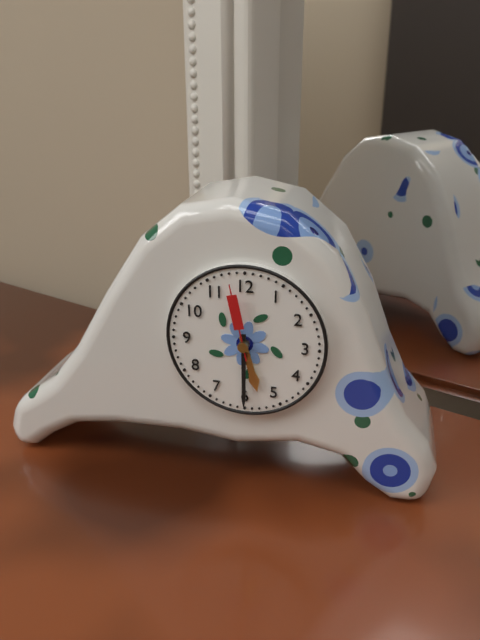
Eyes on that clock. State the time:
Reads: 5:30:58
